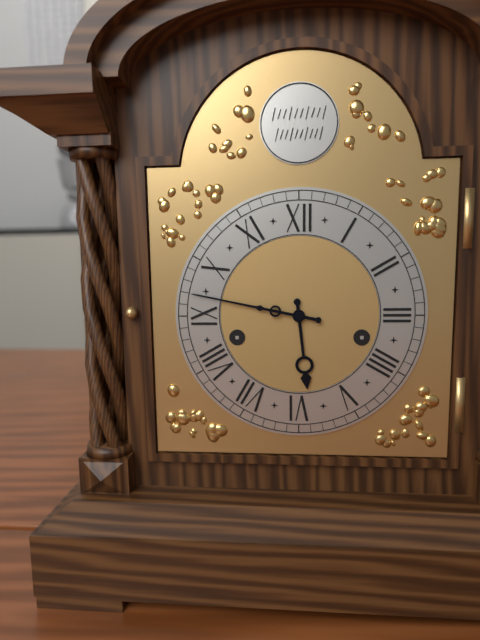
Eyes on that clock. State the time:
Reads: 5:47
